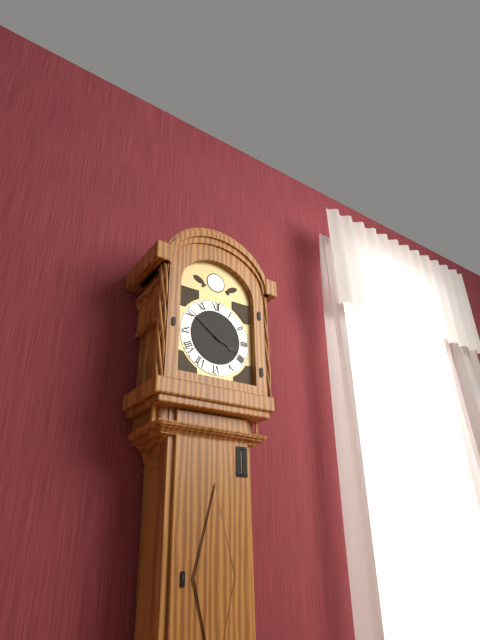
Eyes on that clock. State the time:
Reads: 3:51
